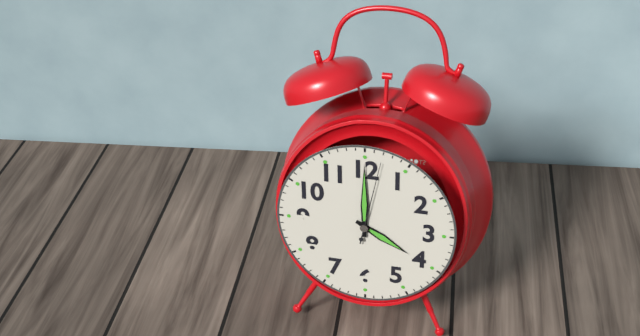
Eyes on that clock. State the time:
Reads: 4:00:02
